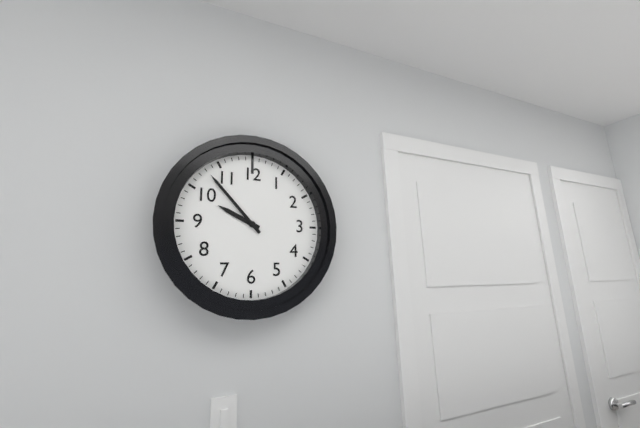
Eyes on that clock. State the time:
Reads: 9:53
